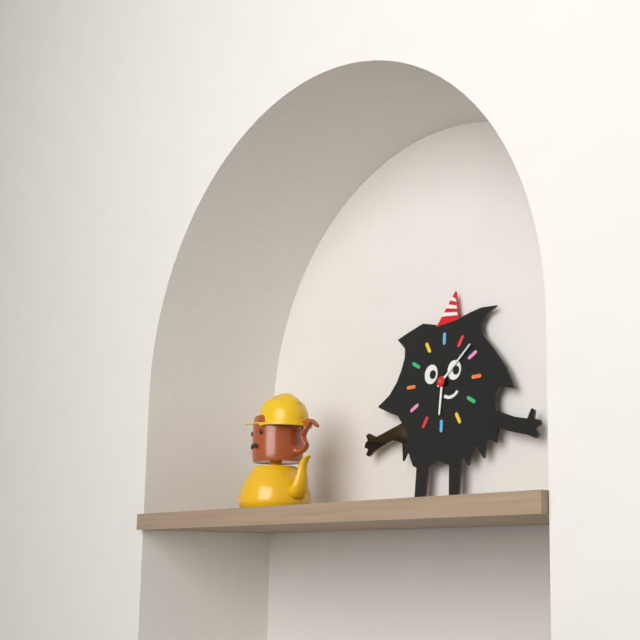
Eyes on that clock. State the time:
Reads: 6:08
